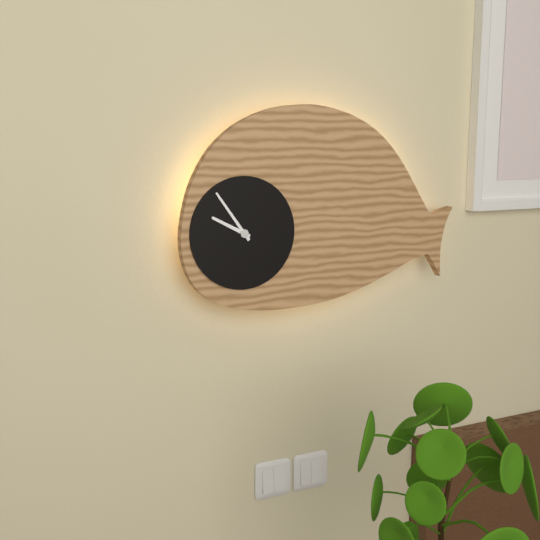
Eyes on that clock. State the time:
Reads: 9:54
